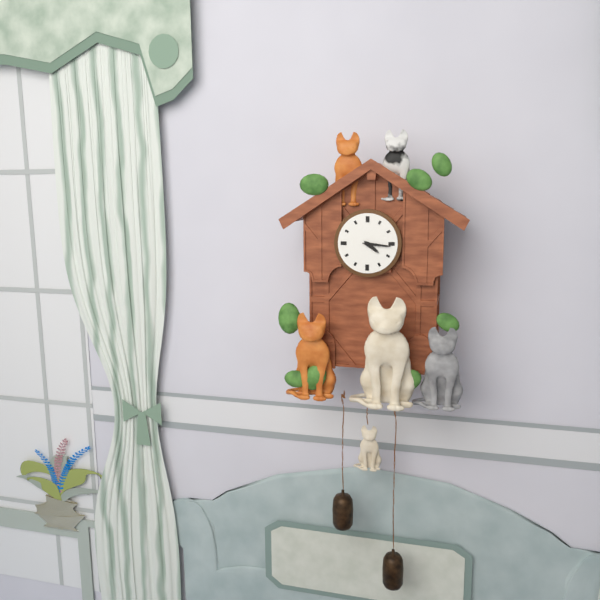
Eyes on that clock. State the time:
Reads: 4:16
